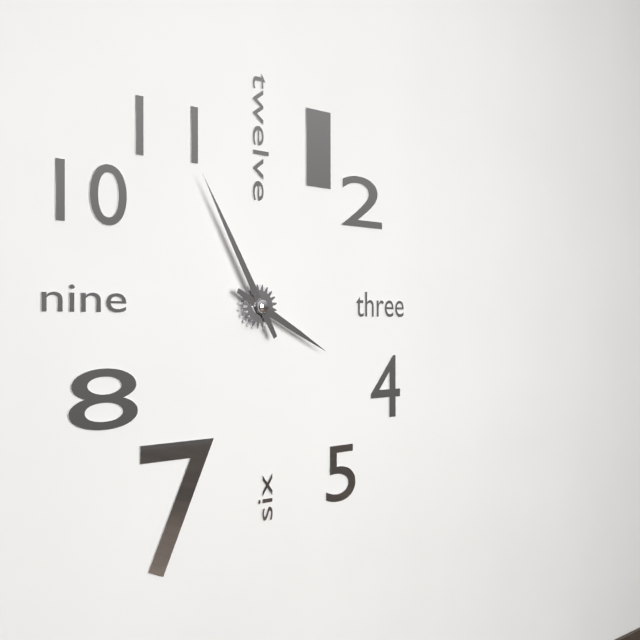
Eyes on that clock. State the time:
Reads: 3:55
